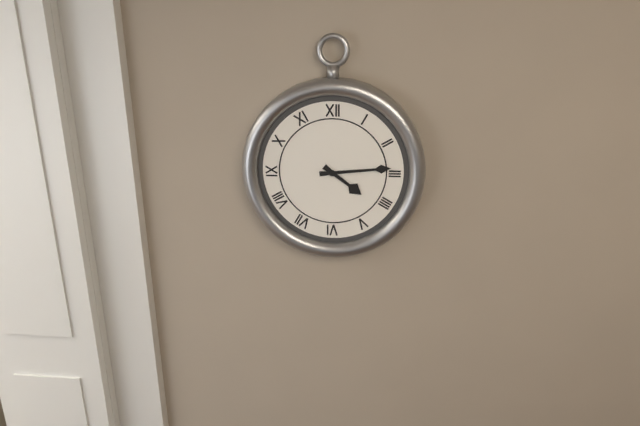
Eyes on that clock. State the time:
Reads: 4:14
